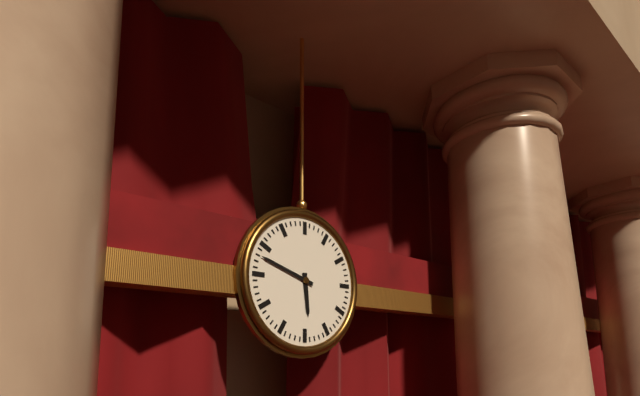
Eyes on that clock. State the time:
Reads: 5:48
